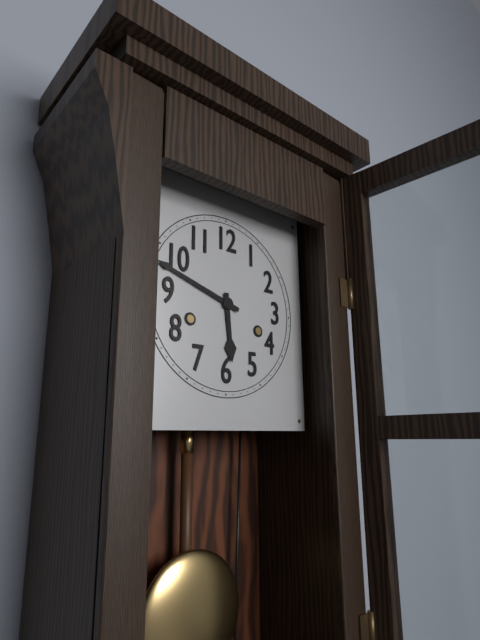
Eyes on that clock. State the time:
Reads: 5:48
